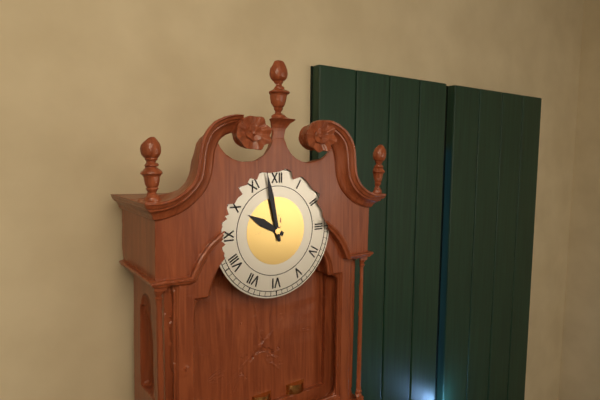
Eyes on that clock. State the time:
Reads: 9:58
